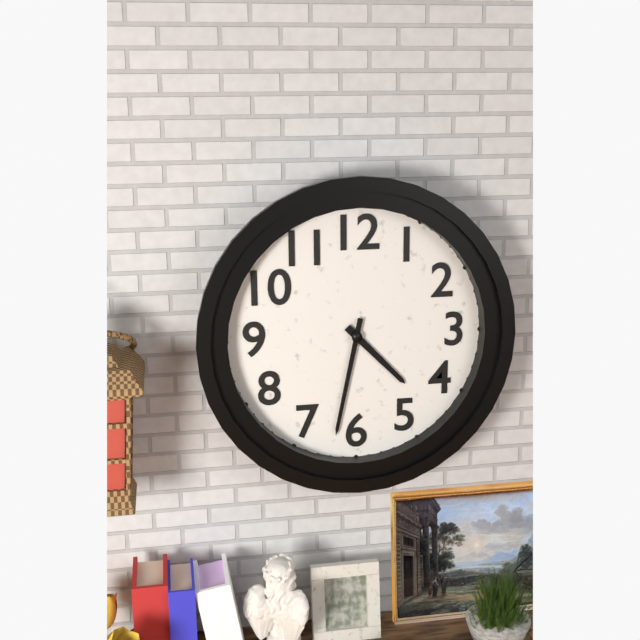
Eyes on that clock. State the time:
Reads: 4:32
